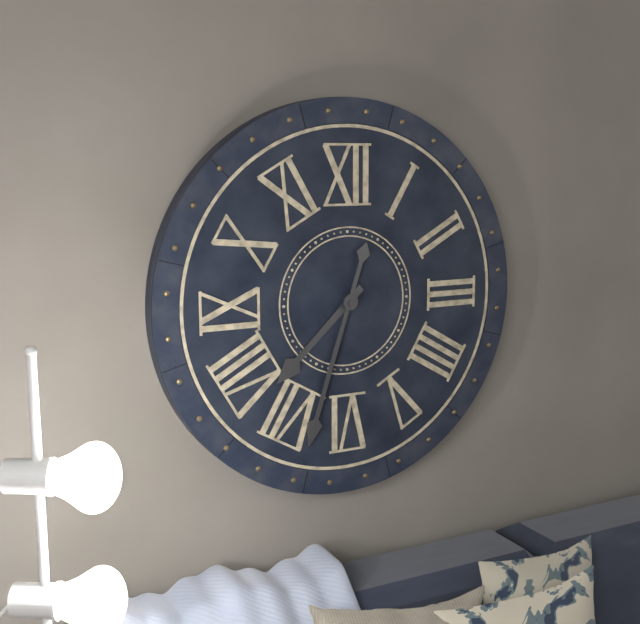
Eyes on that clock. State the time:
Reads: 7:33
